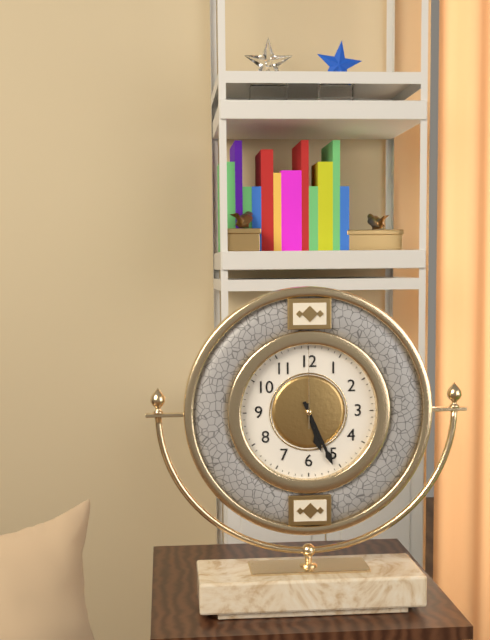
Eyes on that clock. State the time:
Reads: 5:26:00
